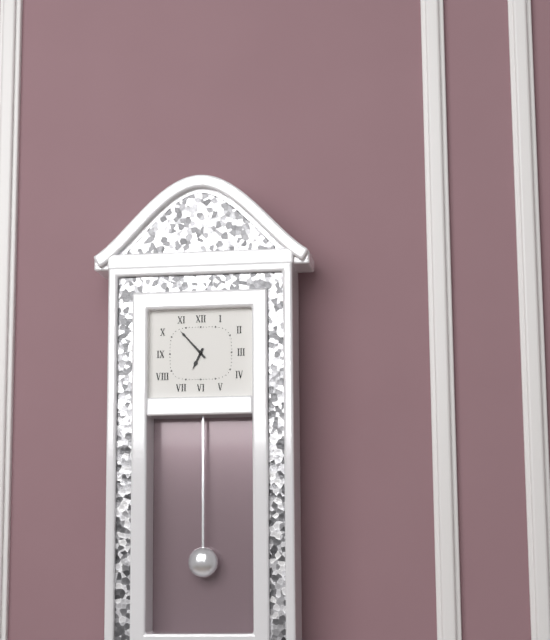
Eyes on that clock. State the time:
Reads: 6:53
